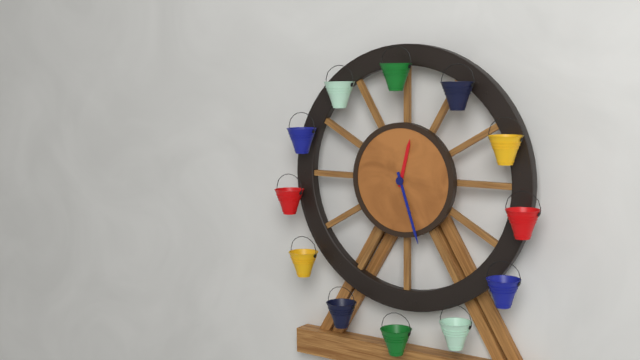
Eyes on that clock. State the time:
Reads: 12:27
